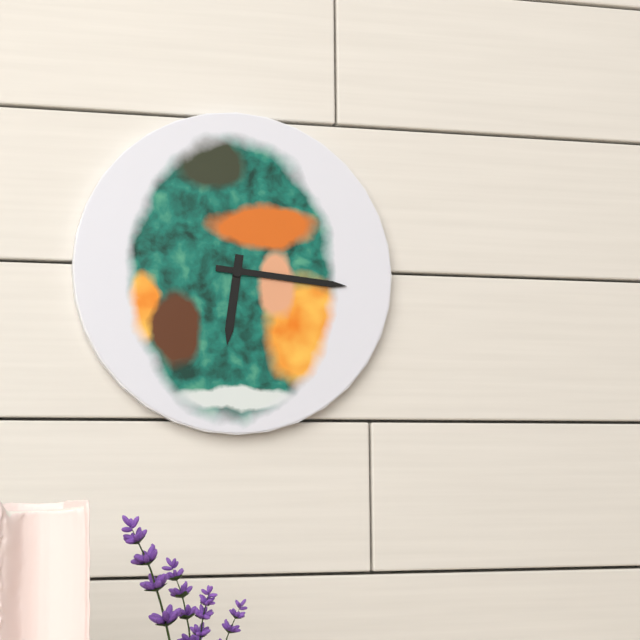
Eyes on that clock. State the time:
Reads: 6:16
